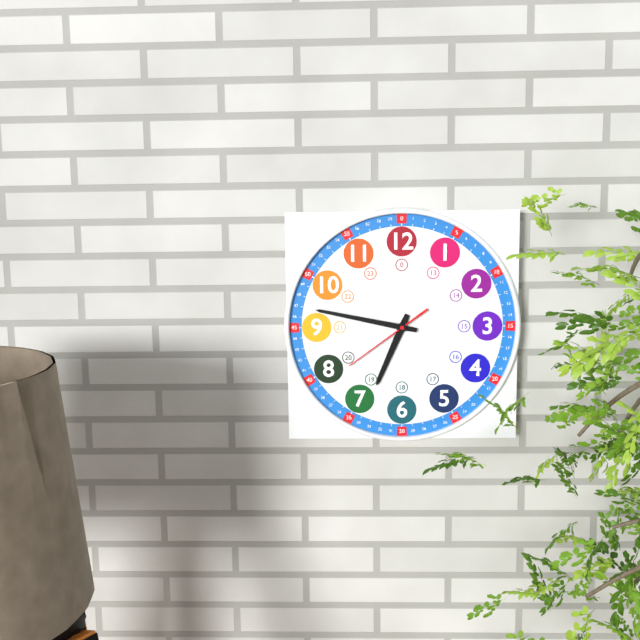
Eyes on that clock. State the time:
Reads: 6:47:39
